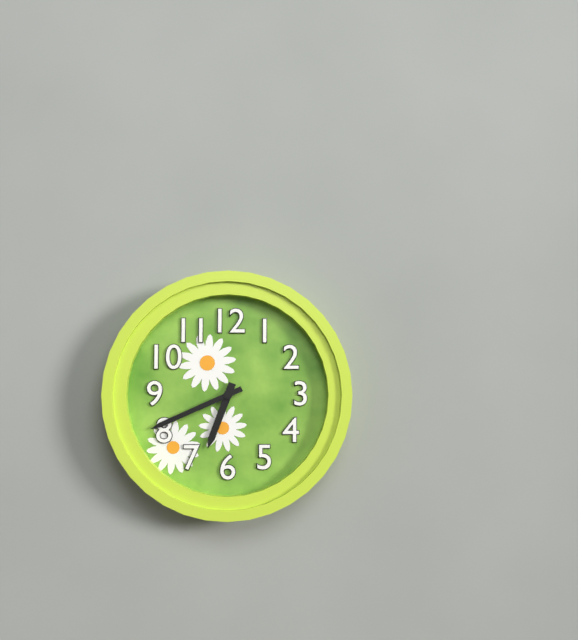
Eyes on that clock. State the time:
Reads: 6:41
